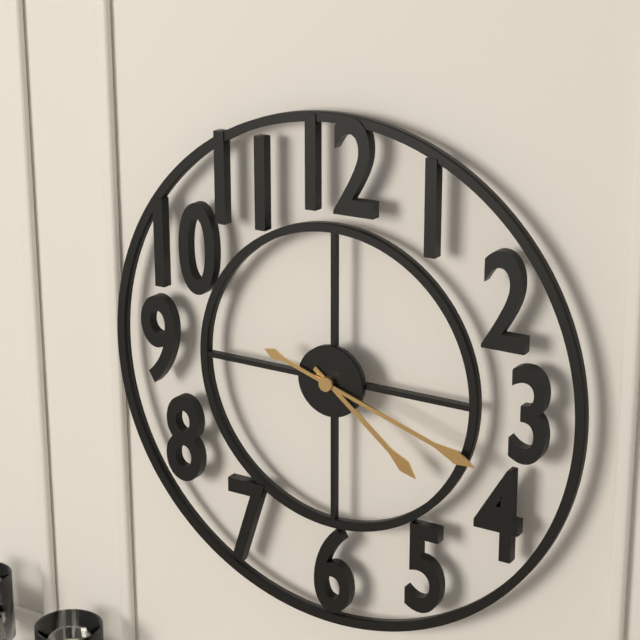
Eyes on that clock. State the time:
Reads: 4:18
